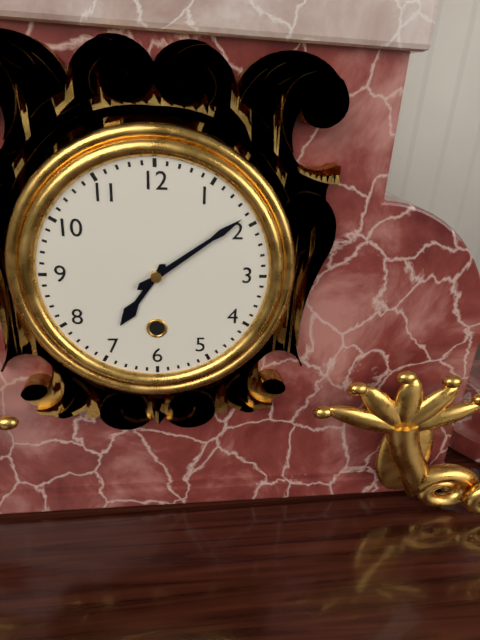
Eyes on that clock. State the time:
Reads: 7:09
